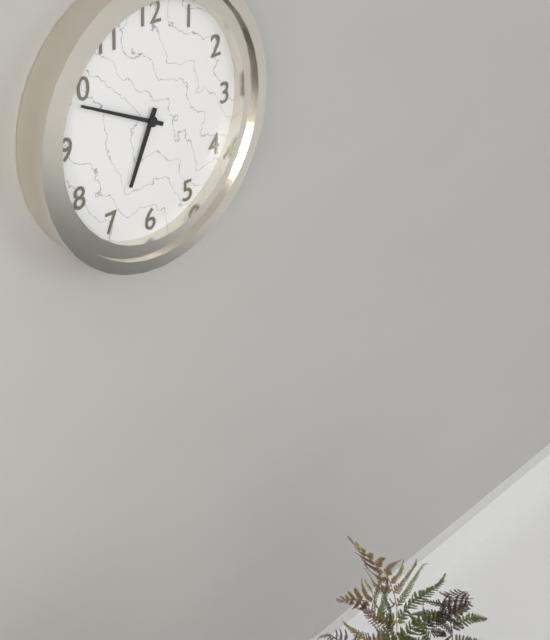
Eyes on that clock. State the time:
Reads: 6:49
